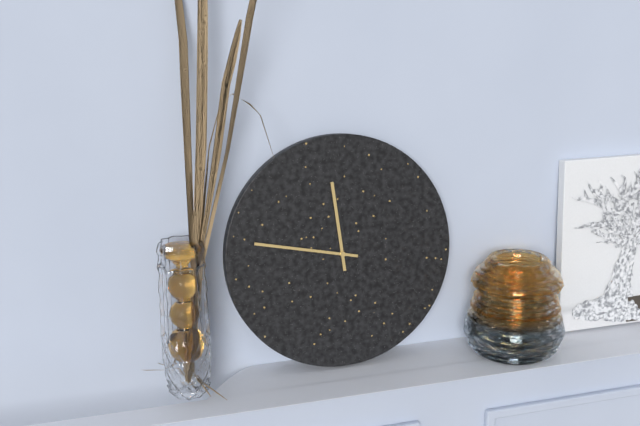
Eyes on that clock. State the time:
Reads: 11:47
